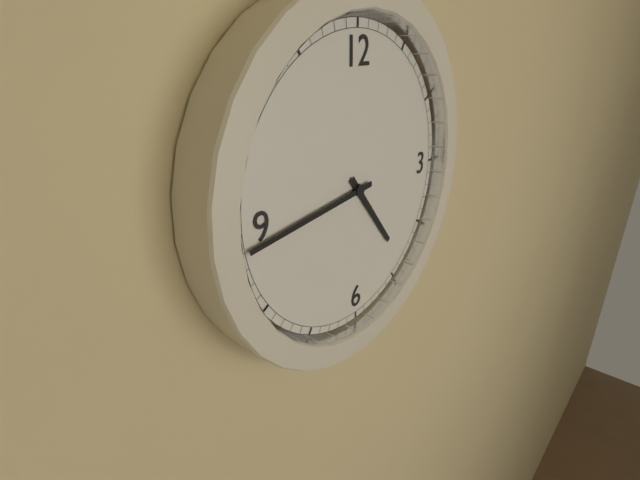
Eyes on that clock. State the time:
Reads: 4:44
